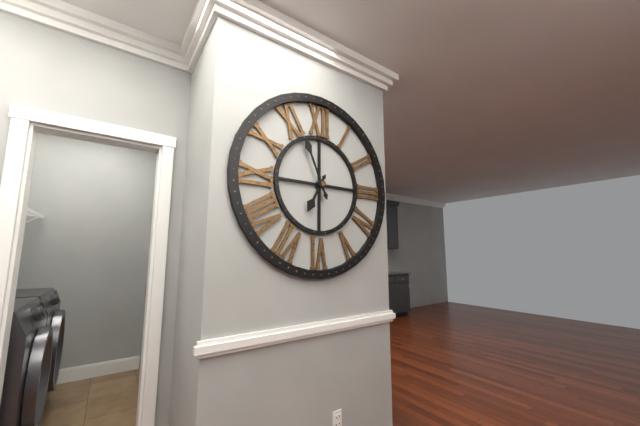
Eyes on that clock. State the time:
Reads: 6:56
